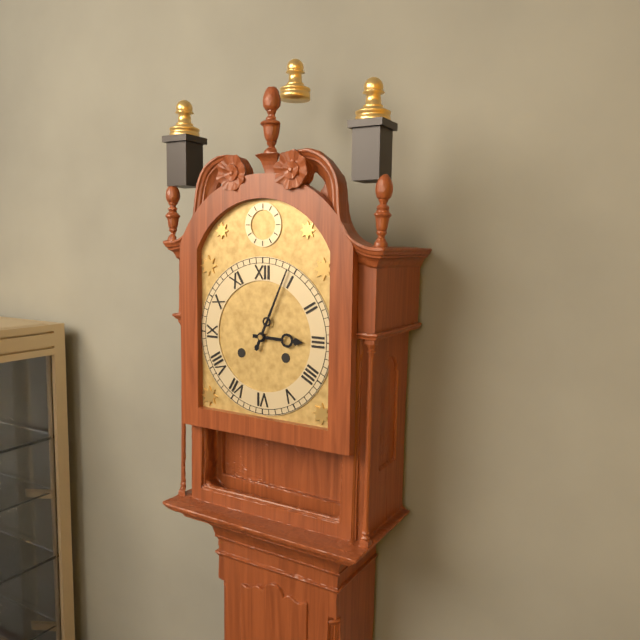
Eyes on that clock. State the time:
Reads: 3:04
